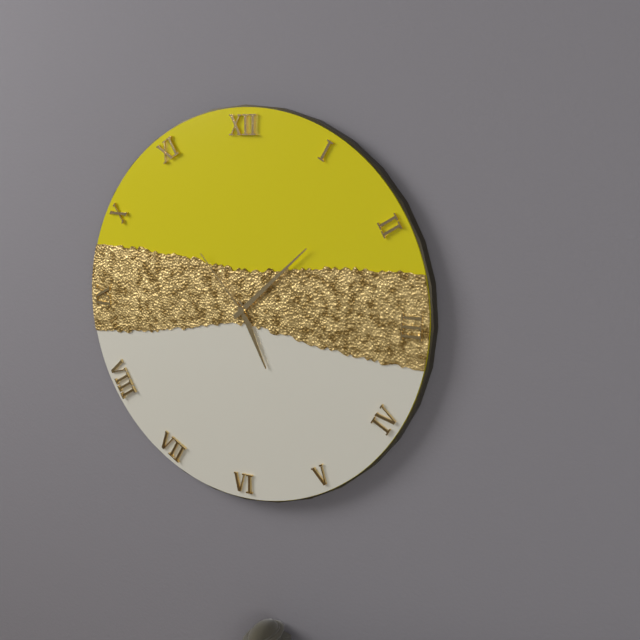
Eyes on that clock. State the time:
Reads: 5:08:53
